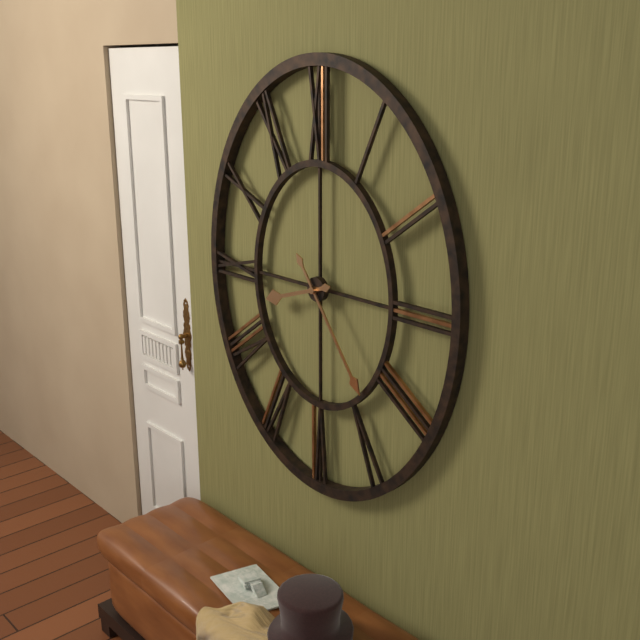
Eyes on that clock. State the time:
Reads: 8:24
